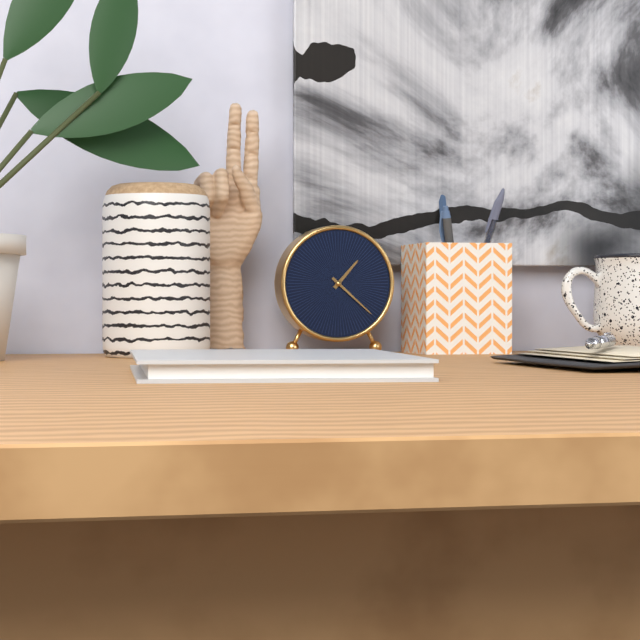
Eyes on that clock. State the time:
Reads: 1:22
